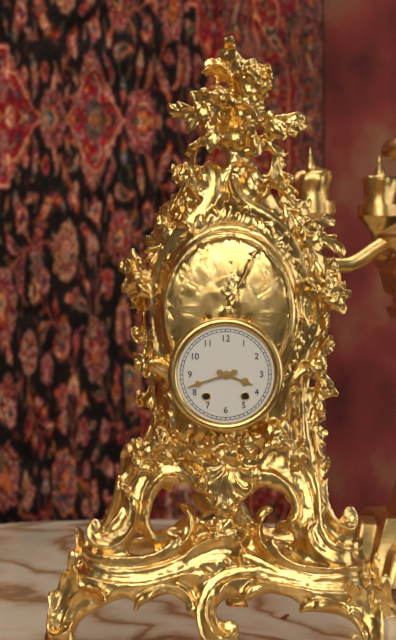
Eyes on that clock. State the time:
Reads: 3:42
